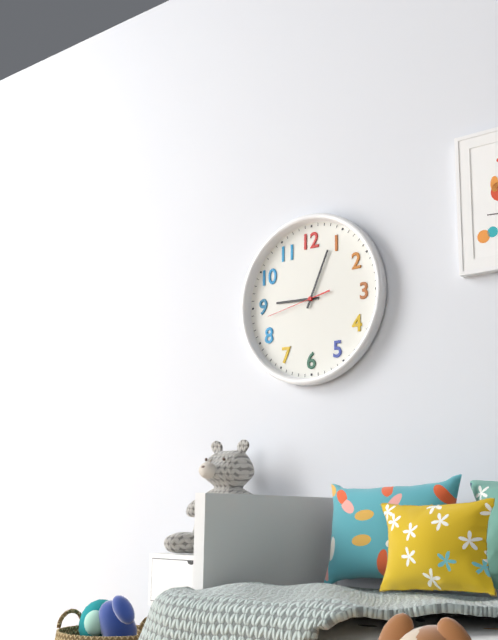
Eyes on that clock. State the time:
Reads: 9:04:43
